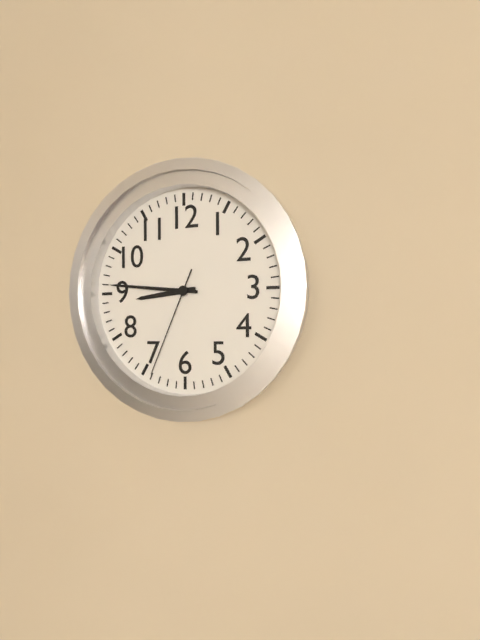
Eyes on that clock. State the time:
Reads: 8:46:34
